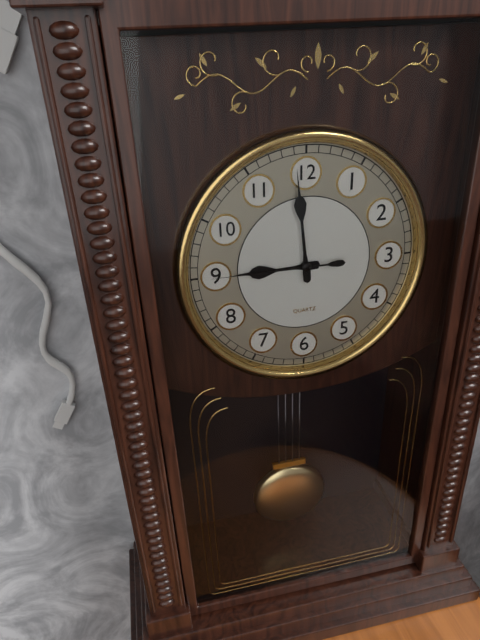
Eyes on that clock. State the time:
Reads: 8:59:45
